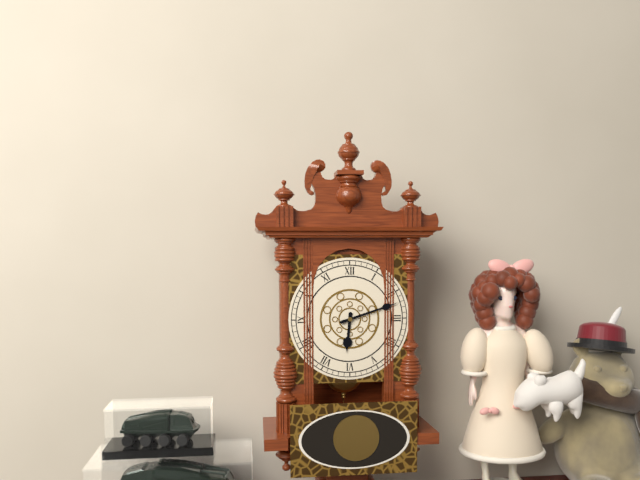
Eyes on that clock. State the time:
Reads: 6:12
